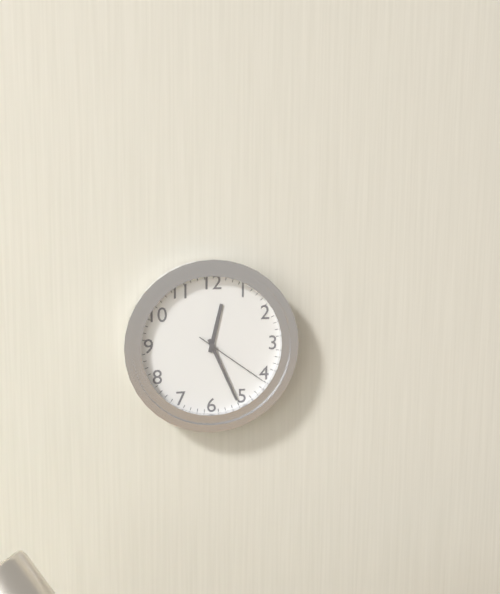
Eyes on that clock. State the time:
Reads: 12:26:21
